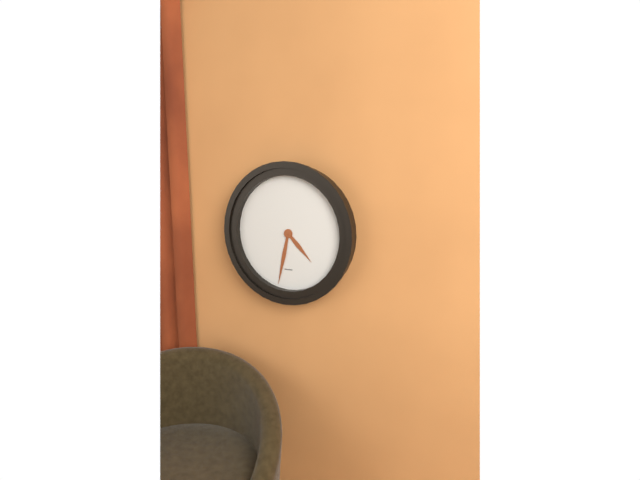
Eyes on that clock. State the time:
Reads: 4:32
